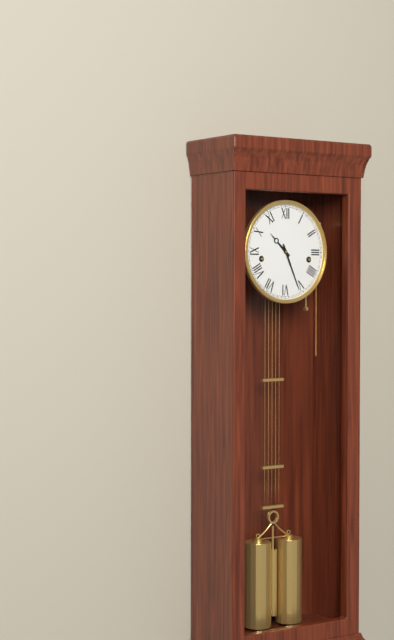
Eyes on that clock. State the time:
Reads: 10:26
